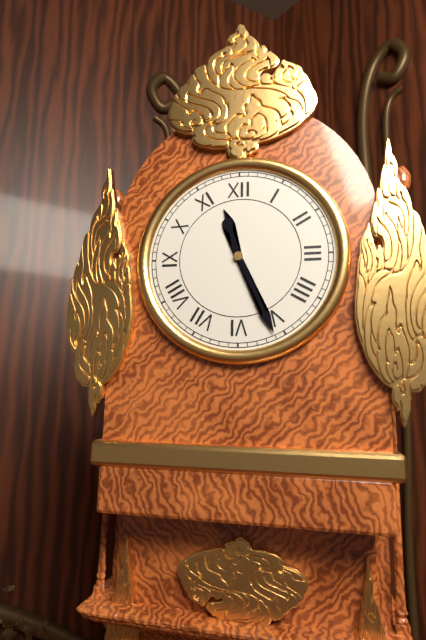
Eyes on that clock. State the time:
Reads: 11:26
